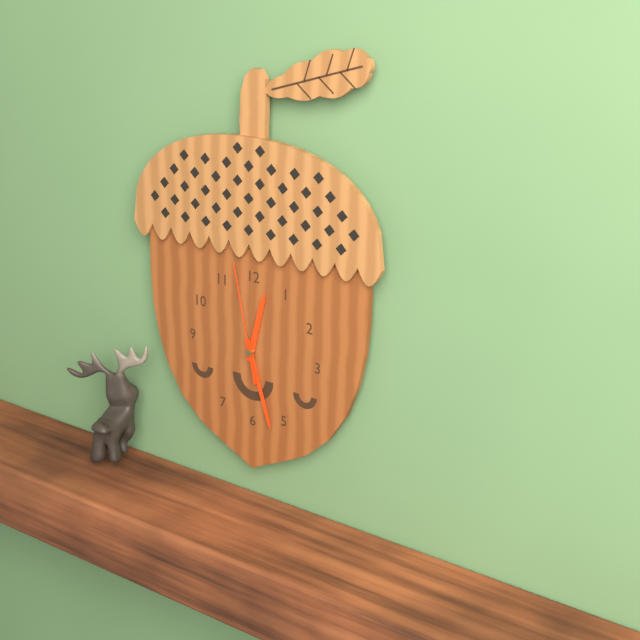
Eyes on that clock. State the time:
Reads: 12:27:58
